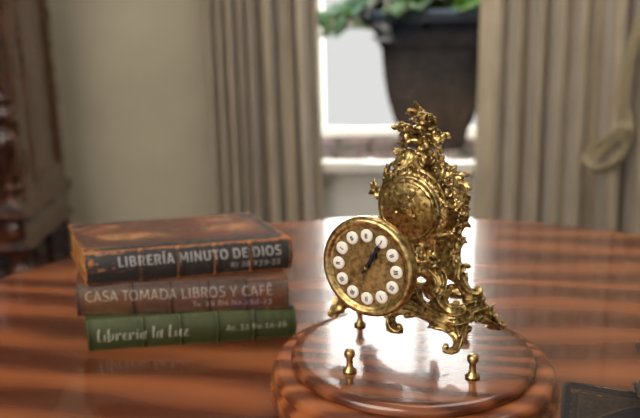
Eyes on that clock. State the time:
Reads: 1:05
